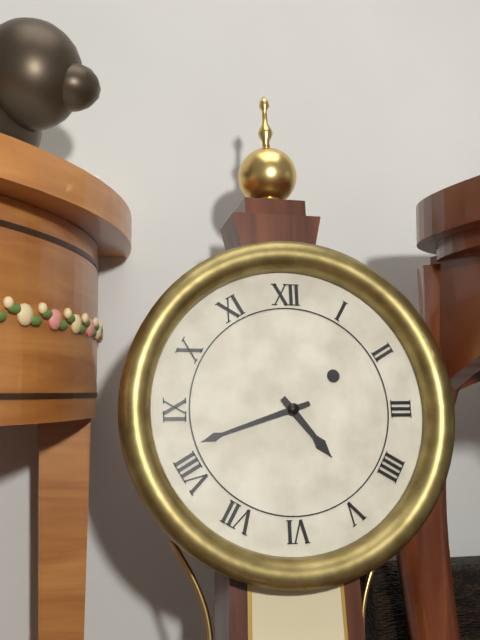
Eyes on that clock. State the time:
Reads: 4:42
